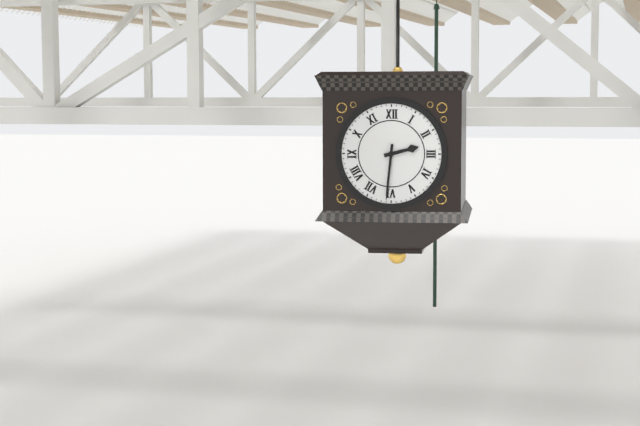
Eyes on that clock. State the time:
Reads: 2:31
